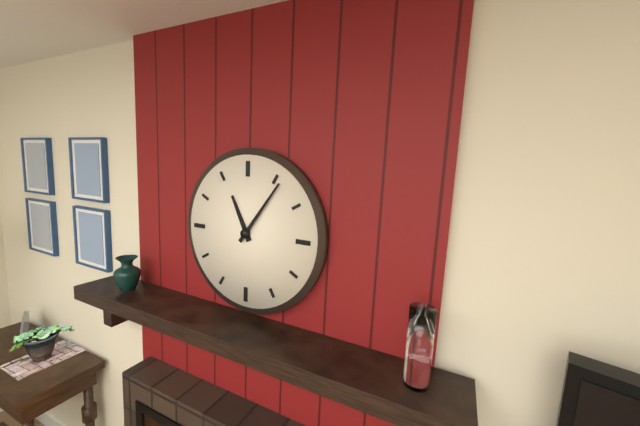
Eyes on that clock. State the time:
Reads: 11:06
